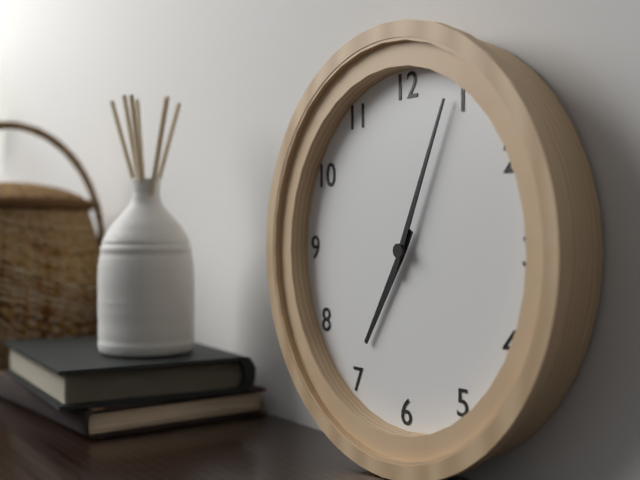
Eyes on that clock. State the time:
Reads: 7:04
